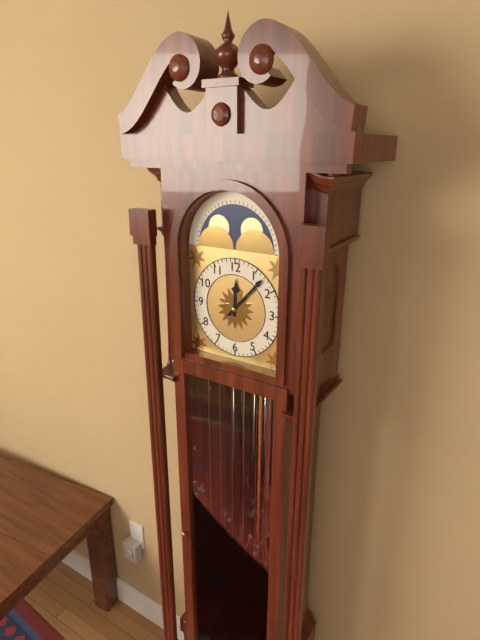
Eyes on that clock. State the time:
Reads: 12:07
